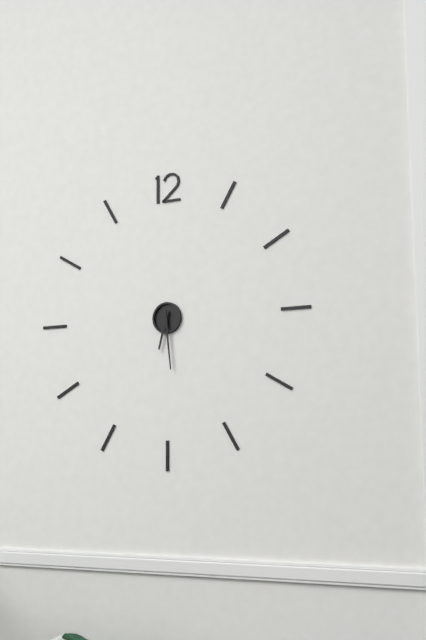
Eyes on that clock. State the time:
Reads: 6:29
